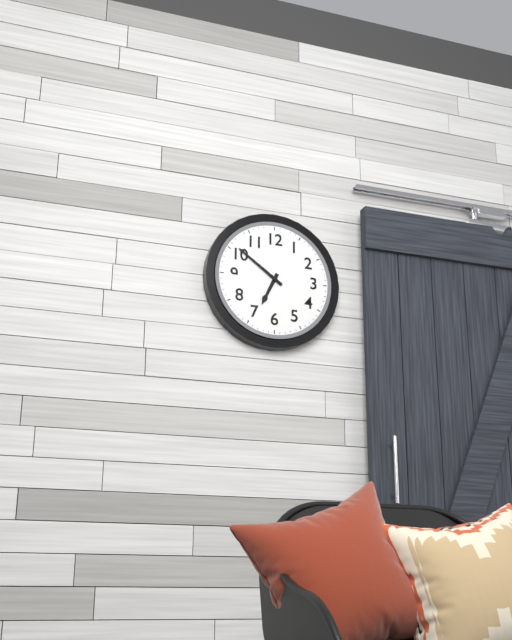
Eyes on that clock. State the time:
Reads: 6:51
